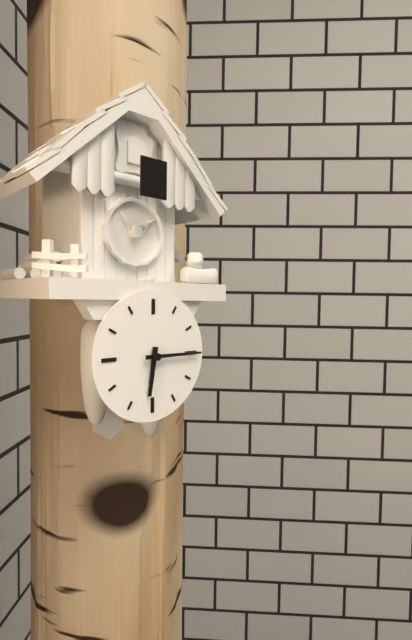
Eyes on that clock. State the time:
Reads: 6:15
